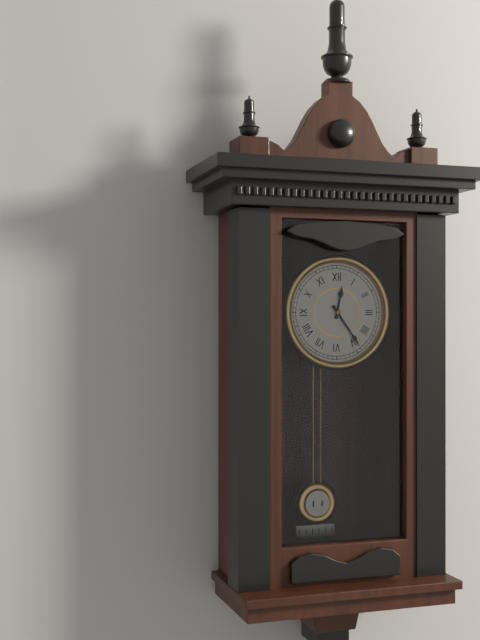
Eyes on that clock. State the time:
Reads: 12:24
